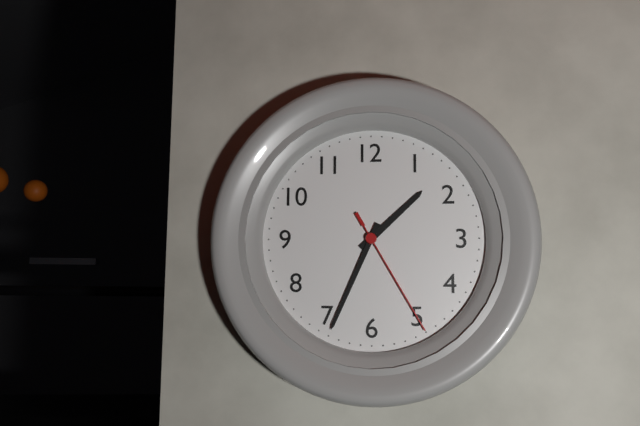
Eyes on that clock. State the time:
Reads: 1:34:25
